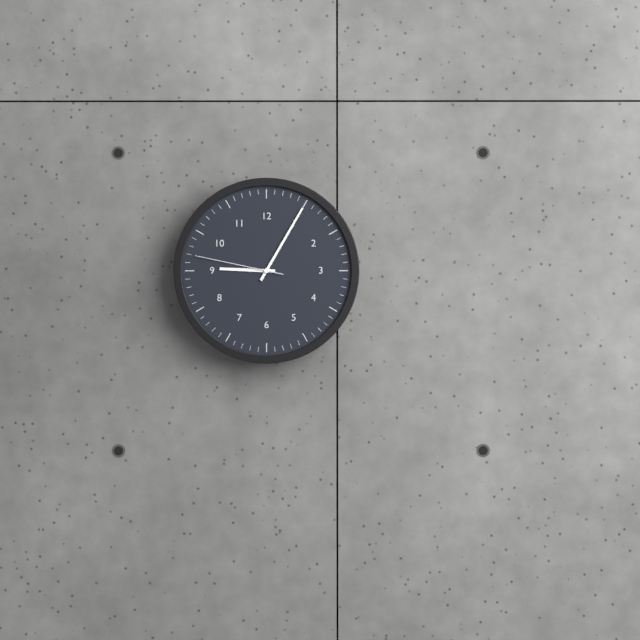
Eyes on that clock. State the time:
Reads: 9:05:47
